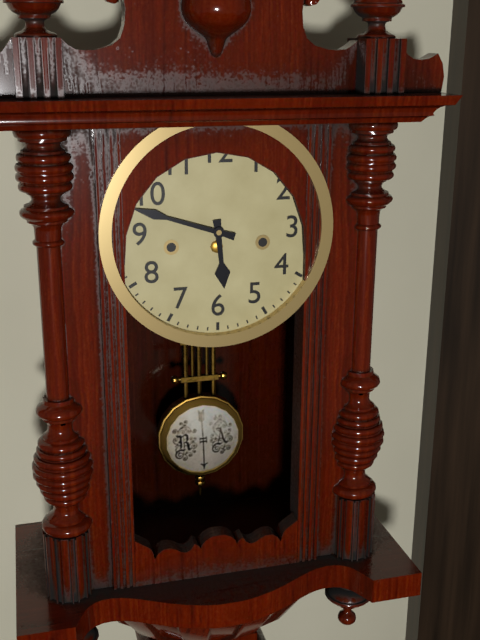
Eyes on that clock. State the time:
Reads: 5:48
